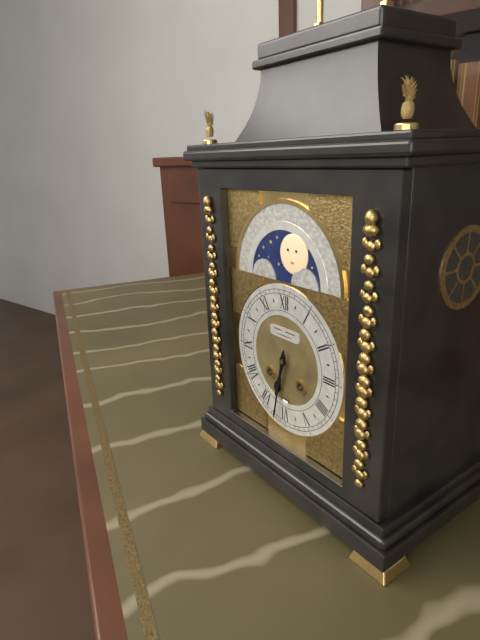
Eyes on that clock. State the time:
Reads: 6:32
